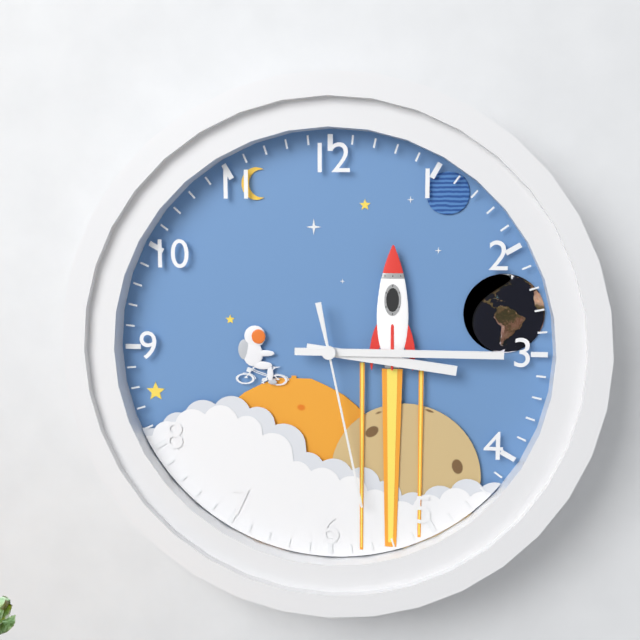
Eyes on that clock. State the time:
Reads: 3:15:28
